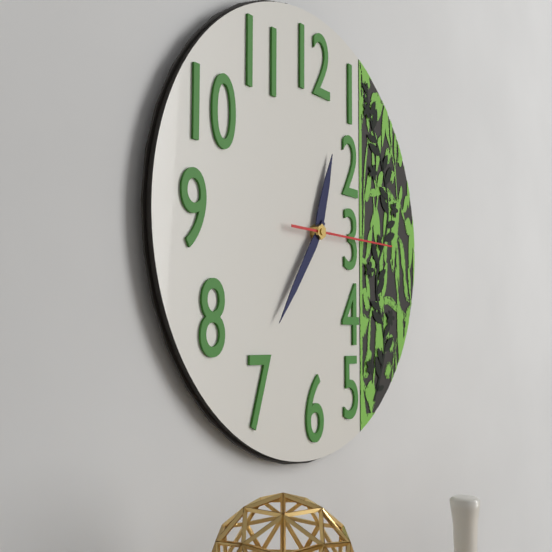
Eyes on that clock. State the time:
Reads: 12:36:15
